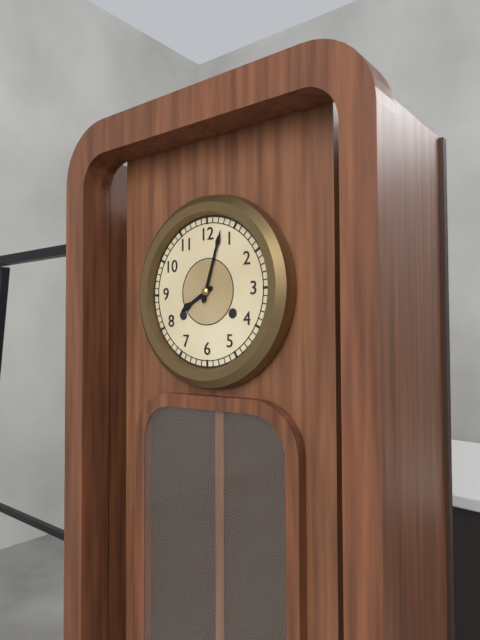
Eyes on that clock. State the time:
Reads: 8:03
